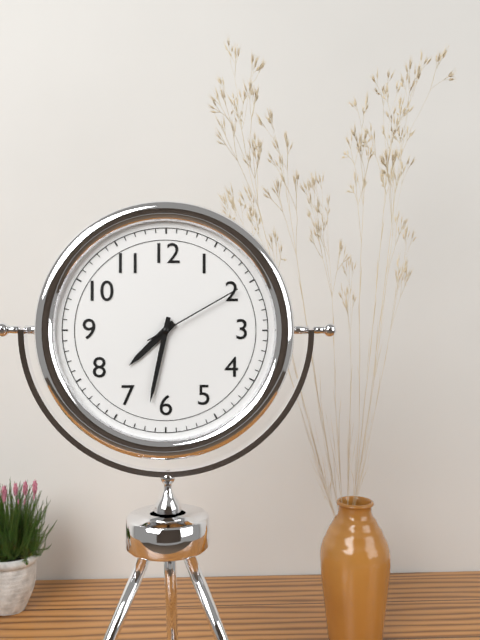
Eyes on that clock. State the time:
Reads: 7:32:10
